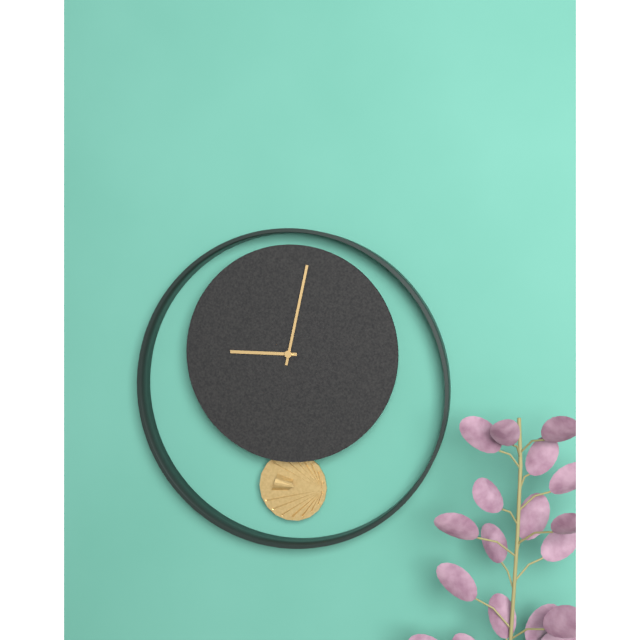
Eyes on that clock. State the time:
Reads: 9:02
